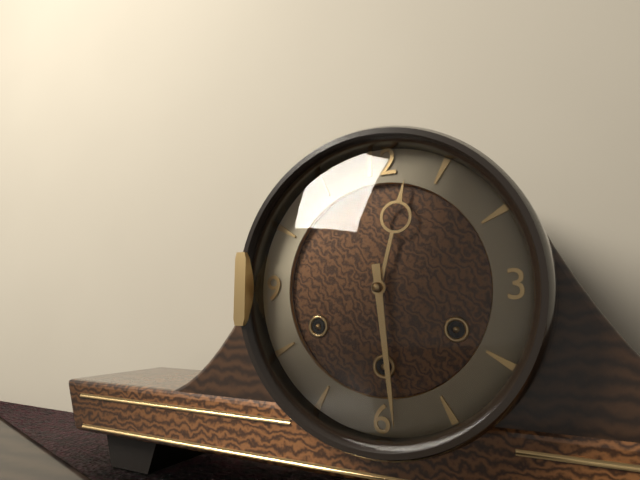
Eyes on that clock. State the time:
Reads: 12:29
